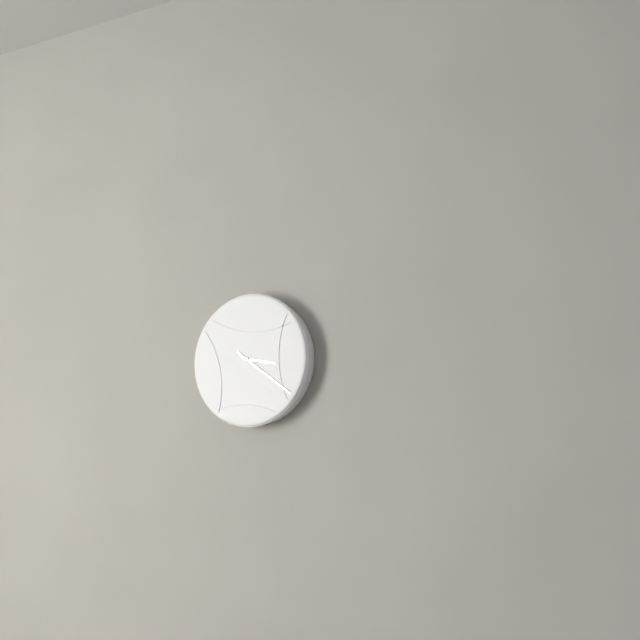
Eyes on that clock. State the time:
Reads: 3:21
